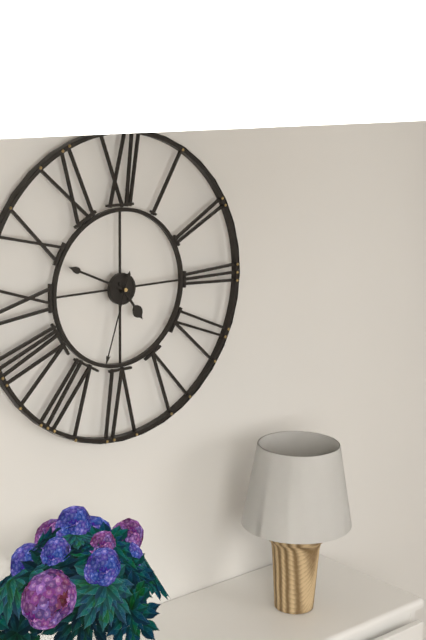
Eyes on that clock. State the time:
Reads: 4:49:33
